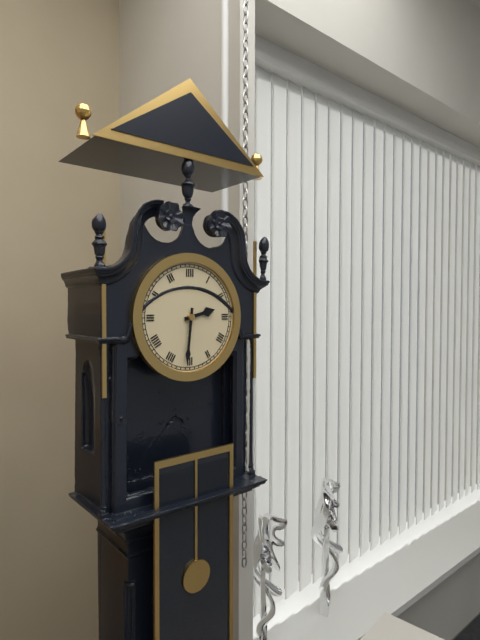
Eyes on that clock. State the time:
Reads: 2:31
